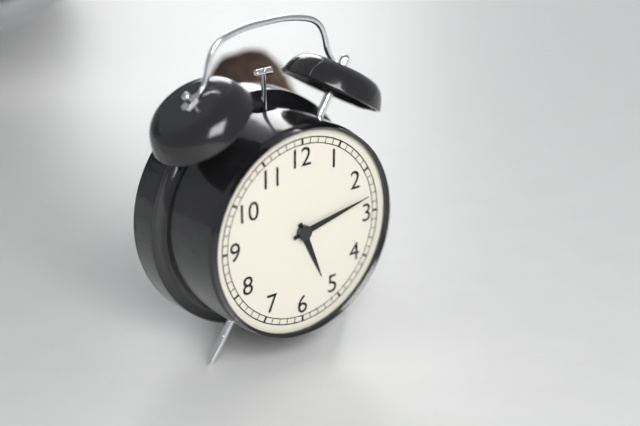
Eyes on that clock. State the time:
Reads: 5:13
